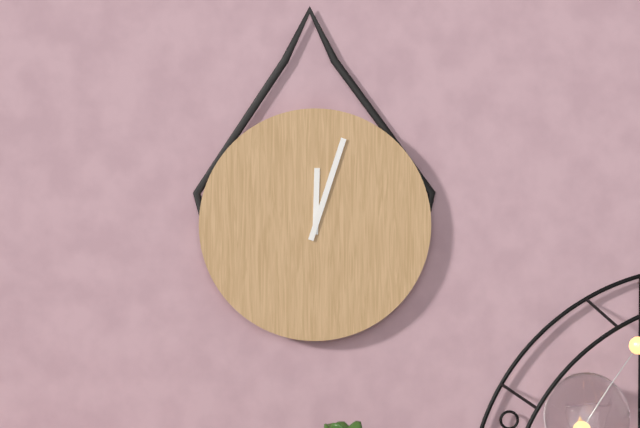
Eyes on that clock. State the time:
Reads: 12:03
